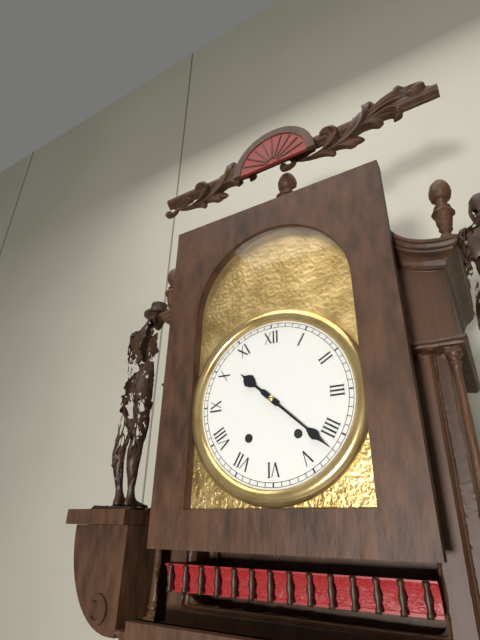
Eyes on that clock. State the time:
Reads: 10:22
